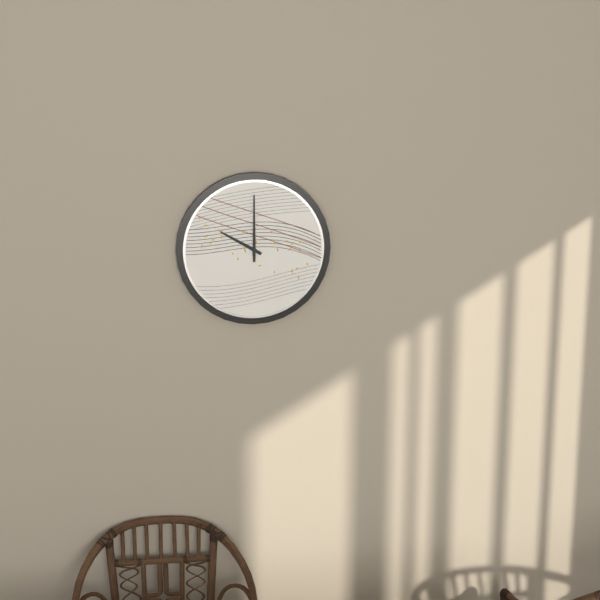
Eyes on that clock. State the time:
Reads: 10:00
